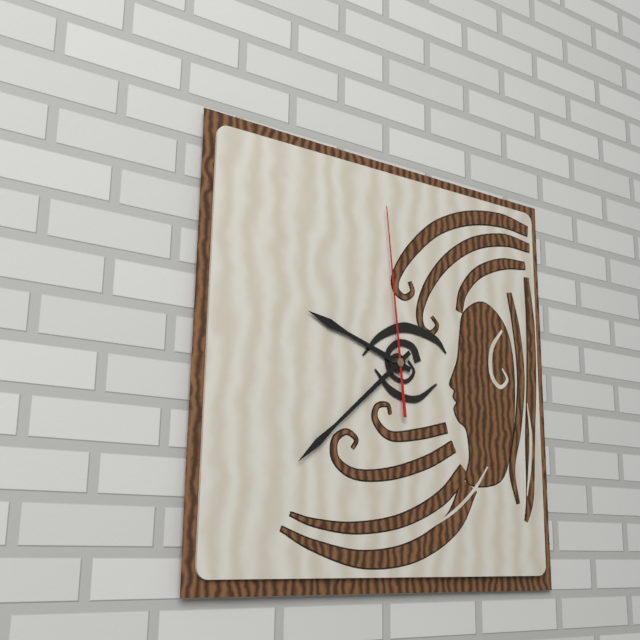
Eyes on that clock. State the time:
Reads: 9:38:59
